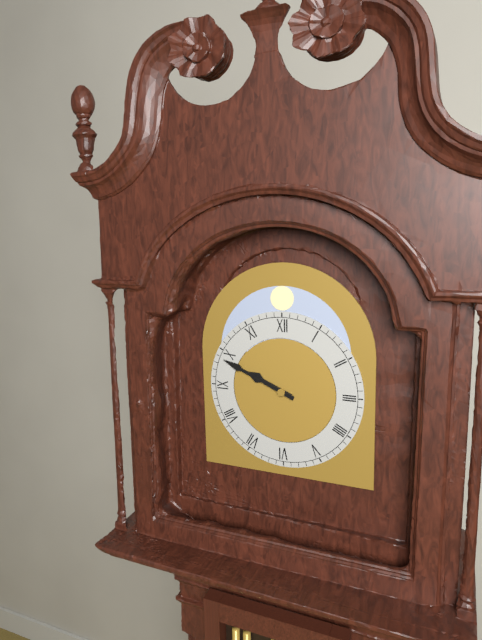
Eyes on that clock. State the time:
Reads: 9:49
